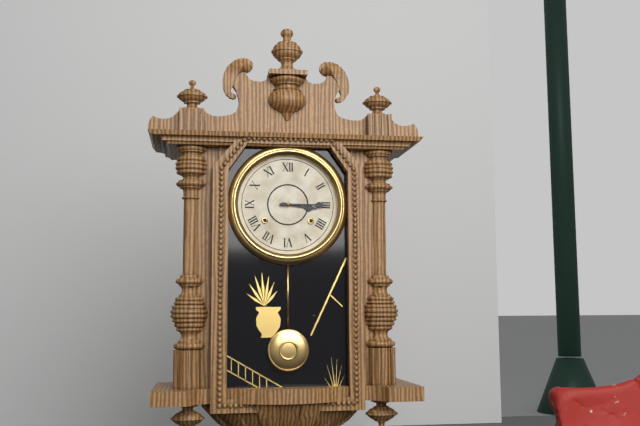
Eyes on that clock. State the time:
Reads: 3:15
